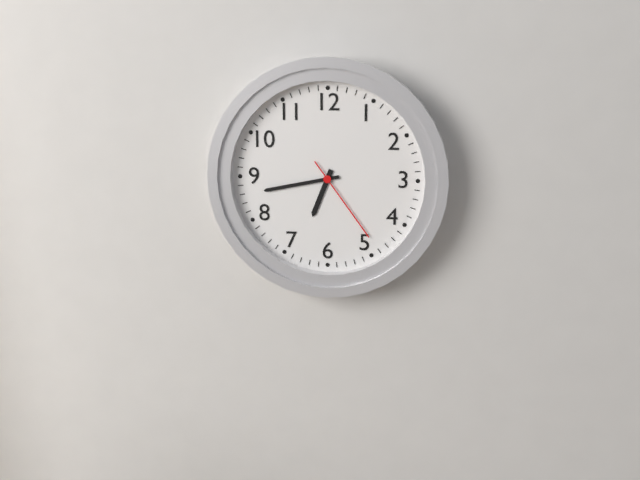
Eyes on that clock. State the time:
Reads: 6:43:24
